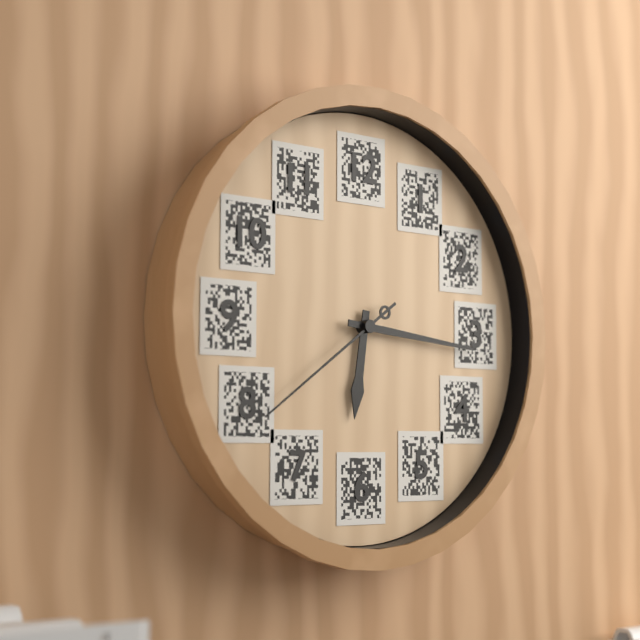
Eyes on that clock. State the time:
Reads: 6:16:39
